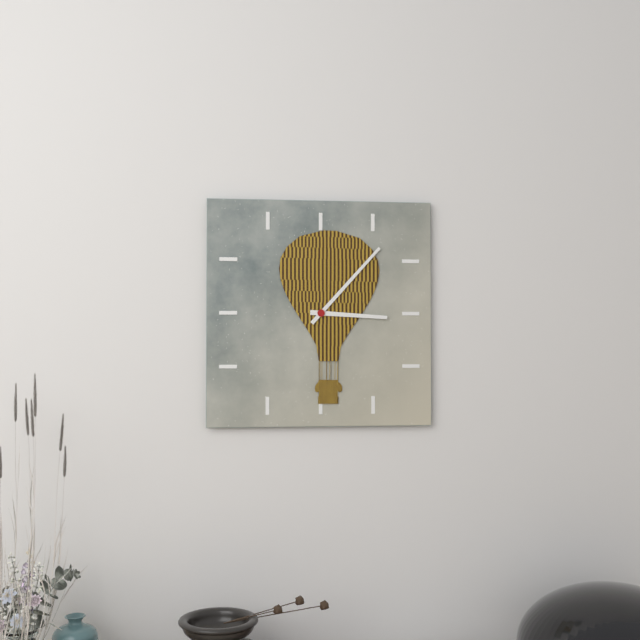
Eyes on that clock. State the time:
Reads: 3:07
